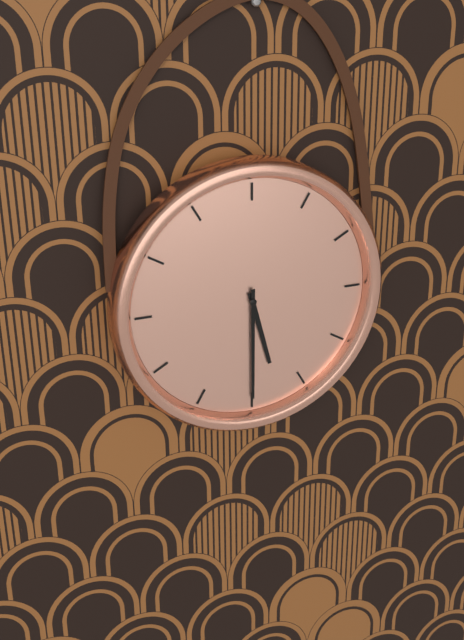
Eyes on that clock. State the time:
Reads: 5:30
